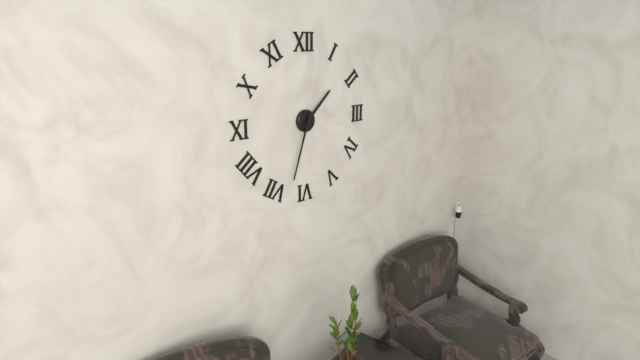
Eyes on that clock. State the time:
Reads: 1:33
